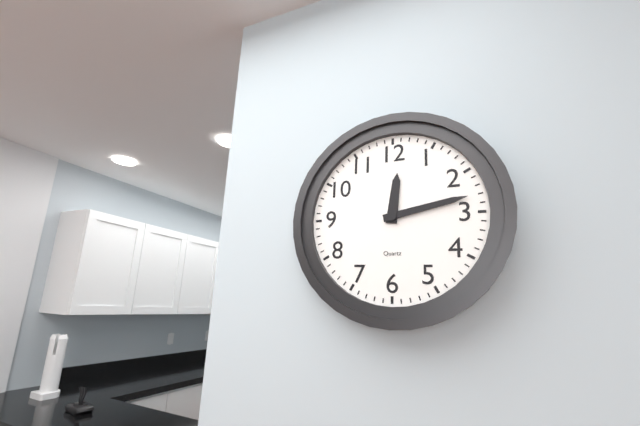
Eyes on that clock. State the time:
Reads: 12:13
